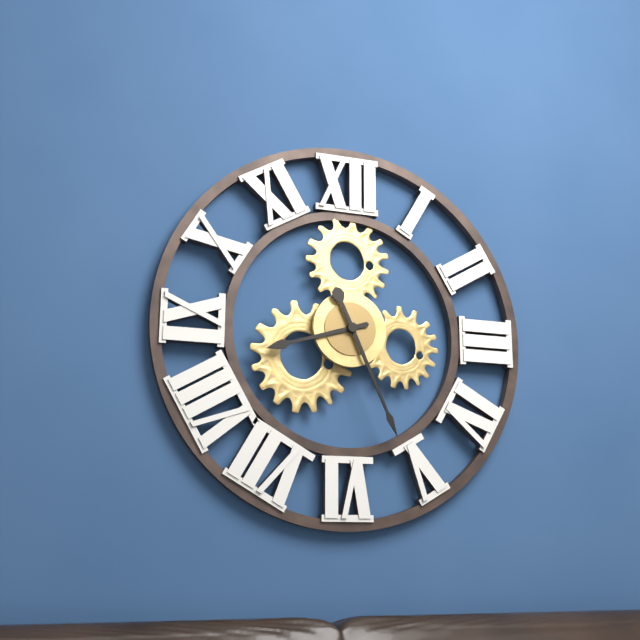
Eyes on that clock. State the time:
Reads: 8:26
